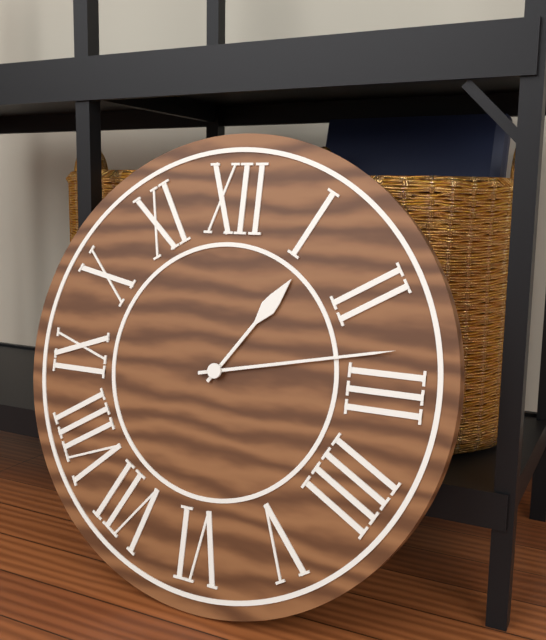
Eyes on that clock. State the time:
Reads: 1:13
